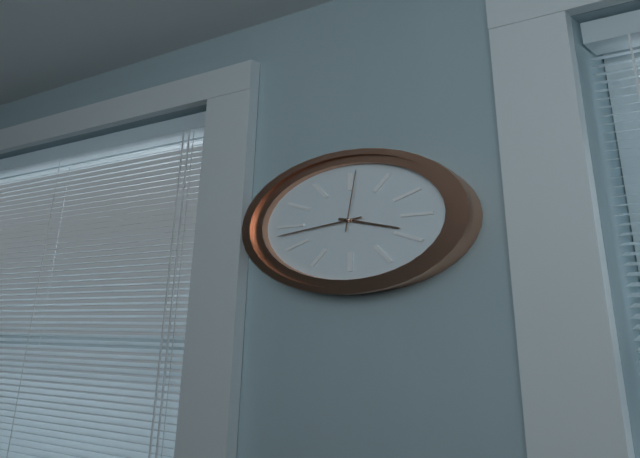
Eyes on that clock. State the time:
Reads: 3:43:01
